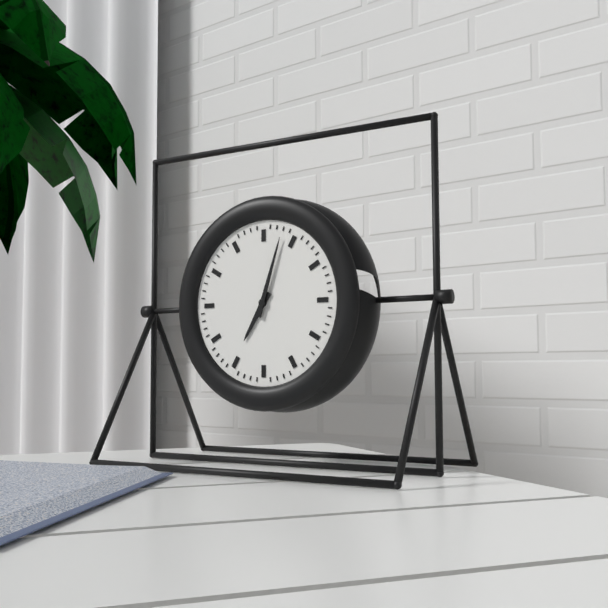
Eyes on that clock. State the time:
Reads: 7:03
